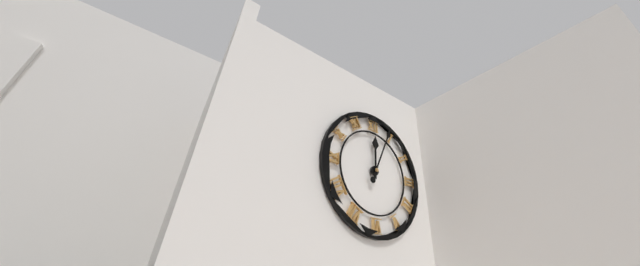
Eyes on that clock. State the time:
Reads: 12:04
